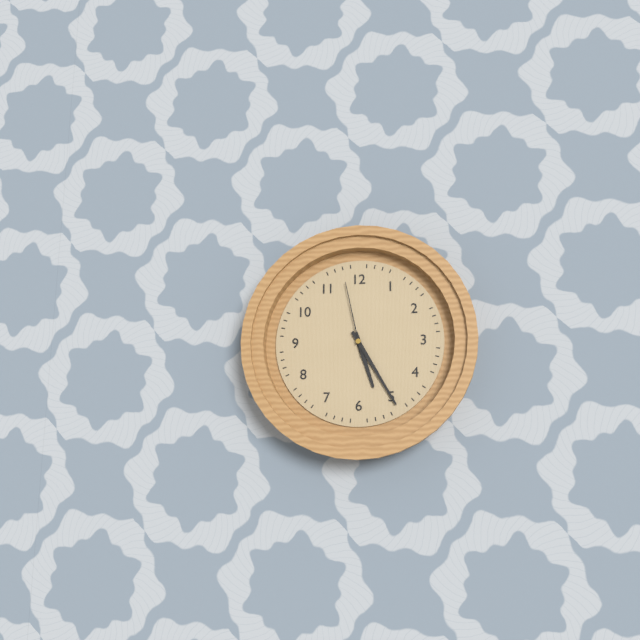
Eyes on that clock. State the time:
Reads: 5:25:58
